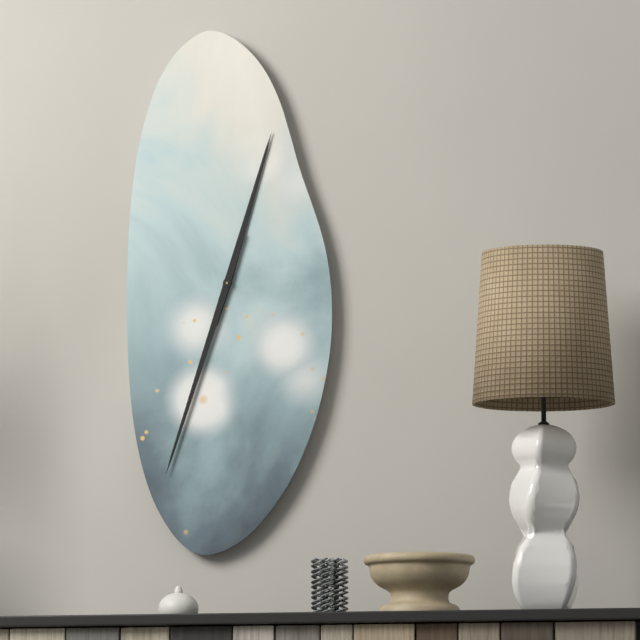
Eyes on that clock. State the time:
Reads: 12:33
